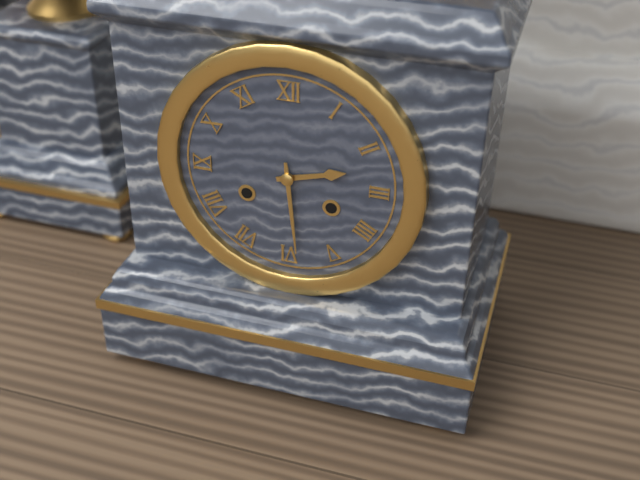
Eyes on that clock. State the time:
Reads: 2:29
